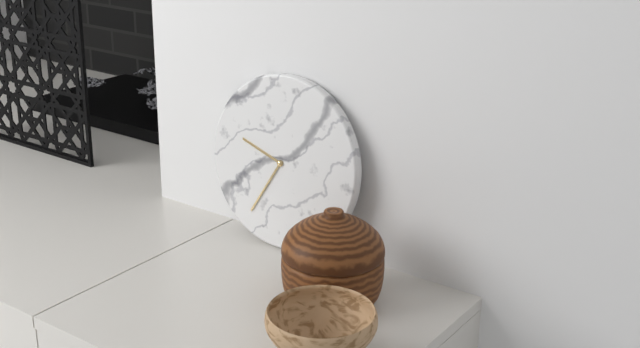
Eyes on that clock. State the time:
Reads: 9:35
